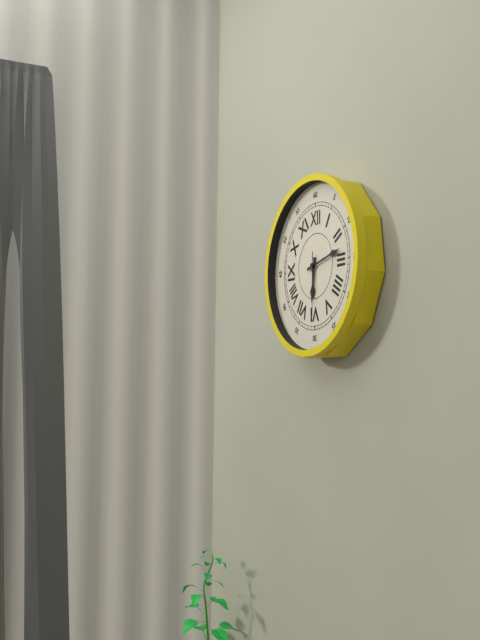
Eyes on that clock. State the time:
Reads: 6:13:30
